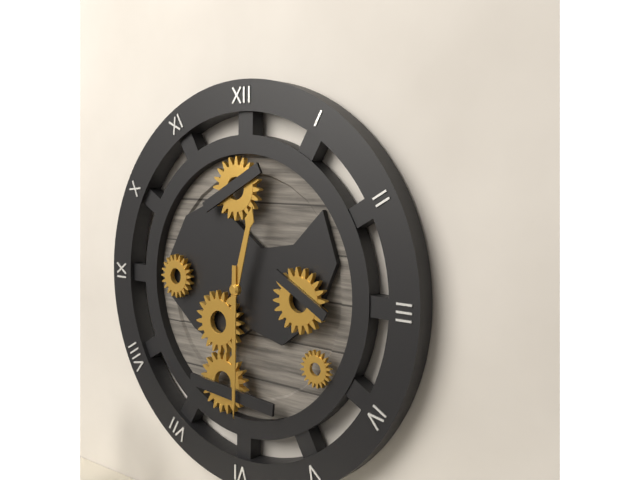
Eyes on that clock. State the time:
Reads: 12:30
